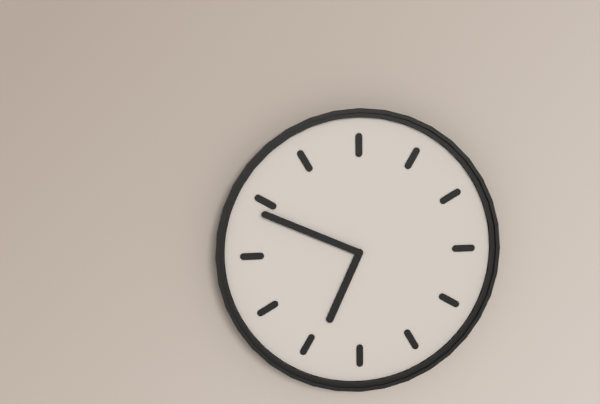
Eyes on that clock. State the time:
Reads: 6:49
